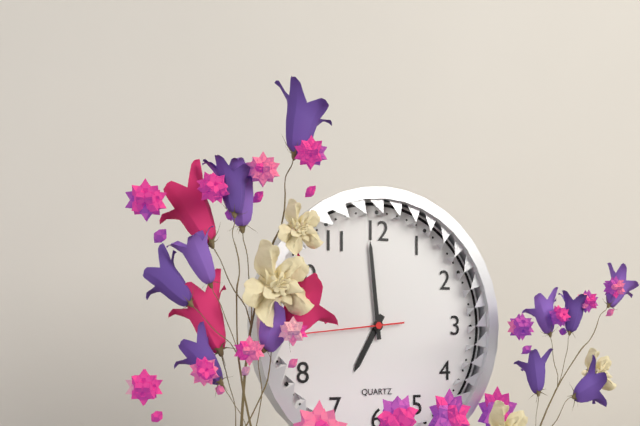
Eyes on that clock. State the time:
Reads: 6:59:44
